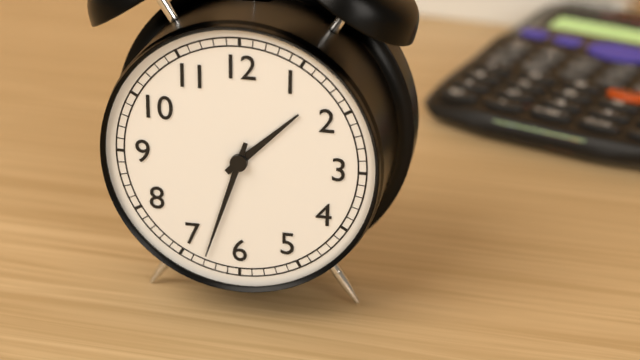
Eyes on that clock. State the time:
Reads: 1:33
